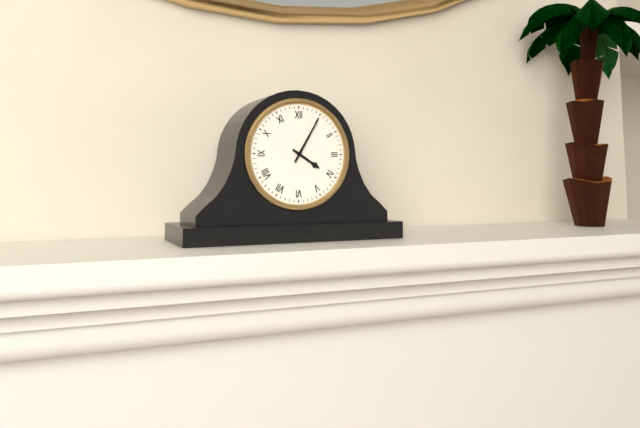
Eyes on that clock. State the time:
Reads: 4:05
